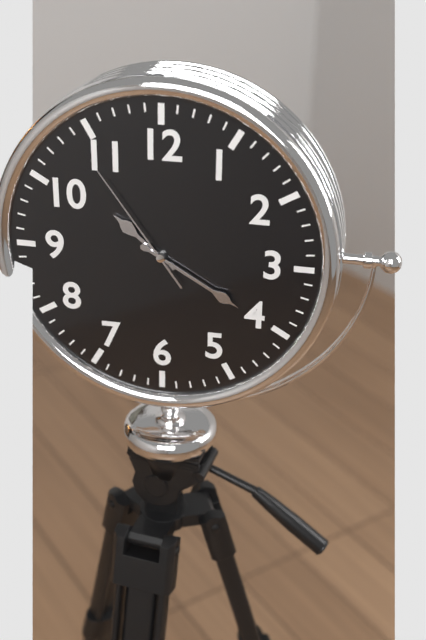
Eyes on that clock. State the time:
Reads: 10:20:54
